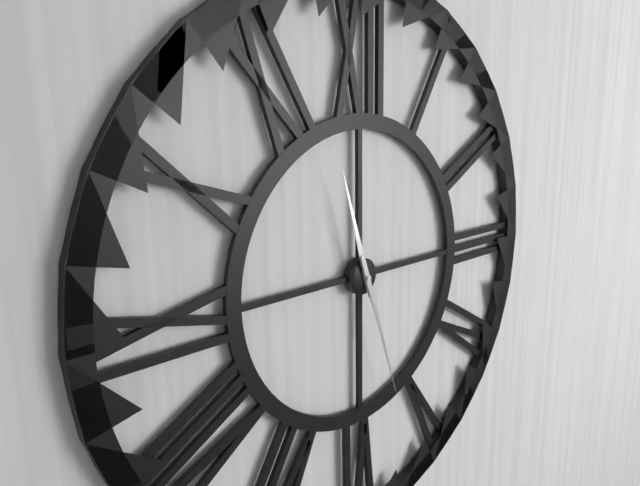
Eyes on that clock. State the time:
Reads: 11:27
